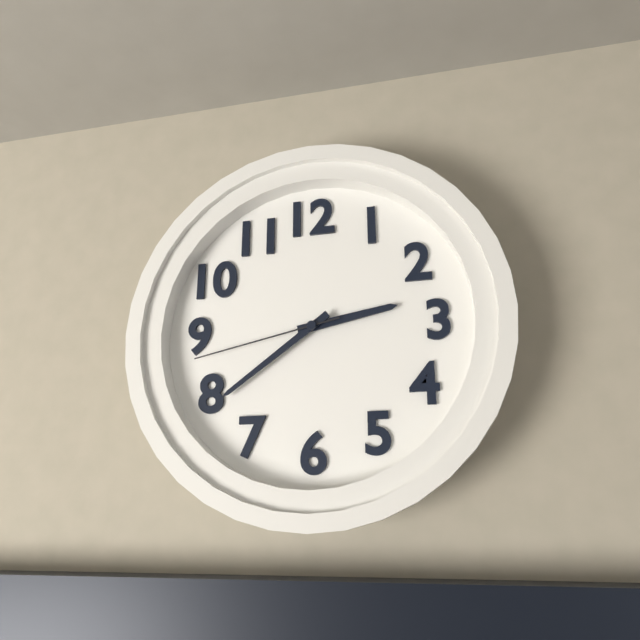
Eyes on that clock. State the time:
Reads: 2:39:43
